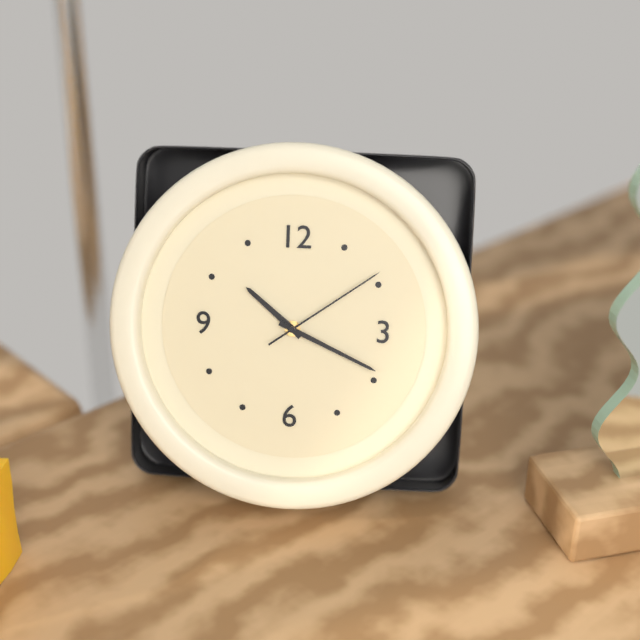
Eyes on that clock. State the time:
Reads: 10:19:09
